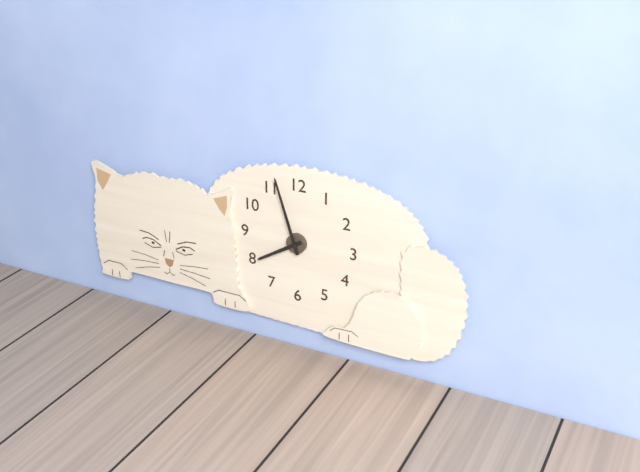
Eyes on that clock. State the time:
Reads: 7:57
